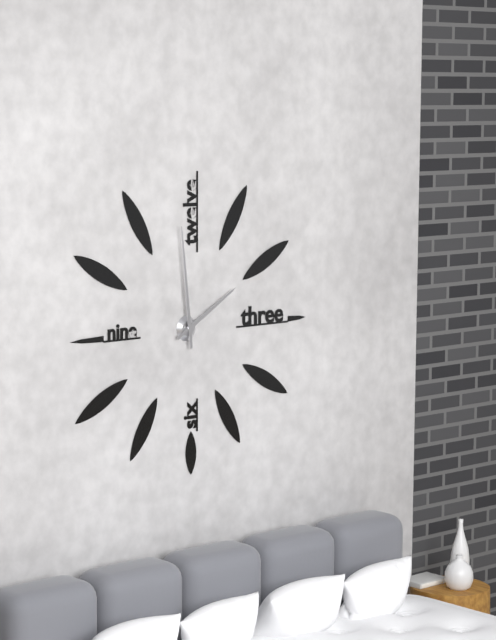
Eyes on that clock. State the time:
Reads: 1:59
